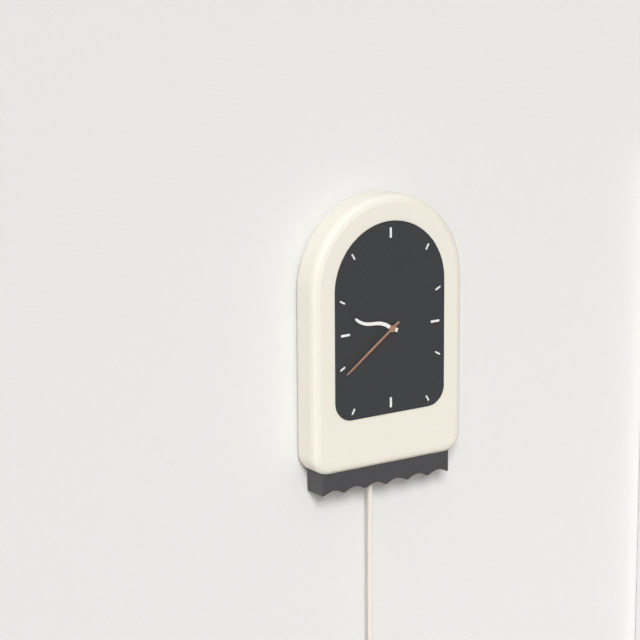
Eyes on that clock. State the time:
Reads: 9:39
